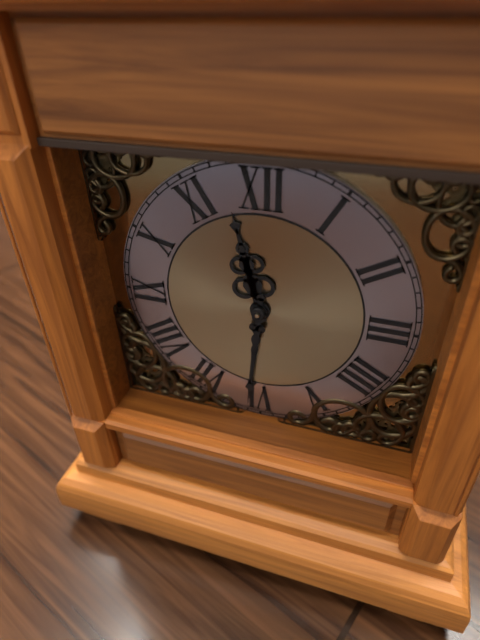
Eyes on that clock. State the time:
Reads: 11:31
